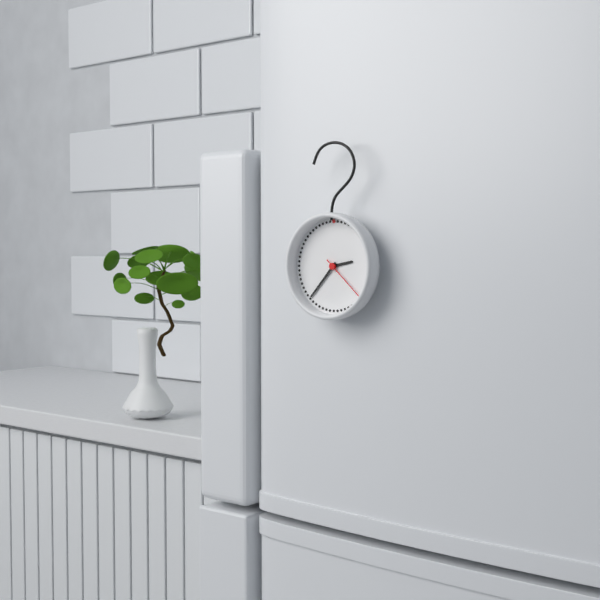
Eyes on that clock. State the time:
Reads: 2:37:22
